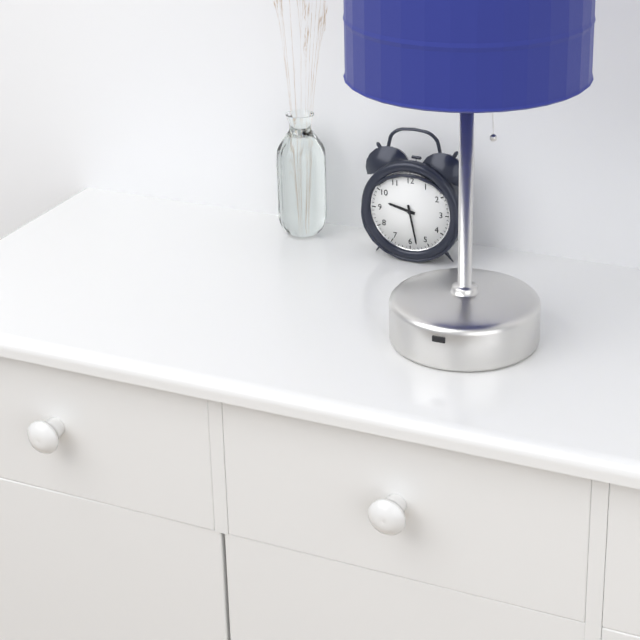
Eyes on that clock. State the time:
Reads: 9:28
